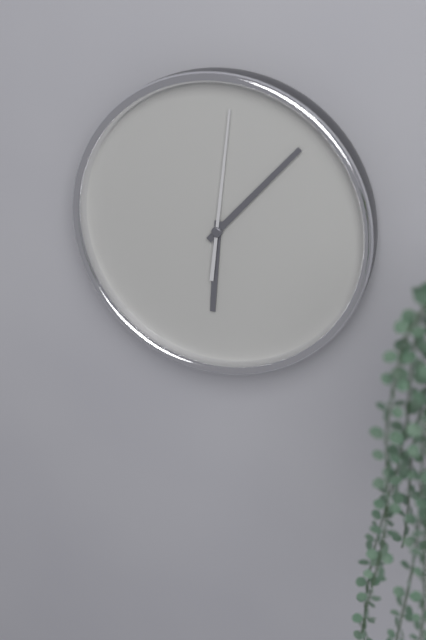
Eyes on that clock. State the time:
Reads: 6:07:01
